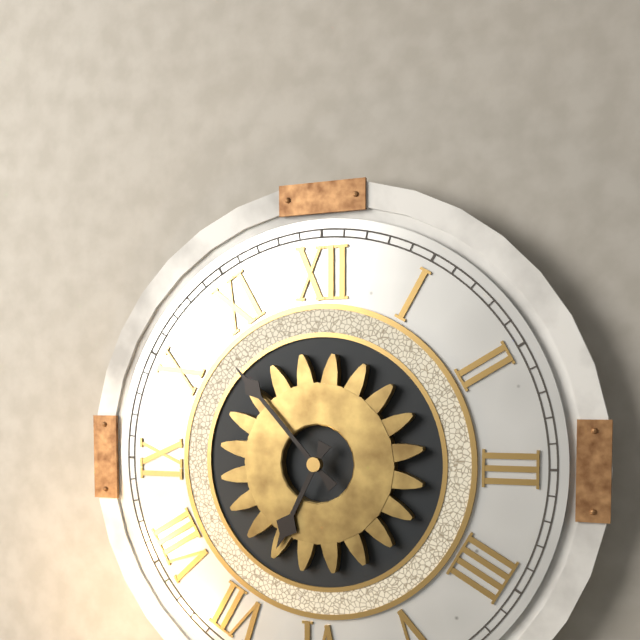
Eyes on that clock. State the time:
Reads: 6:53
